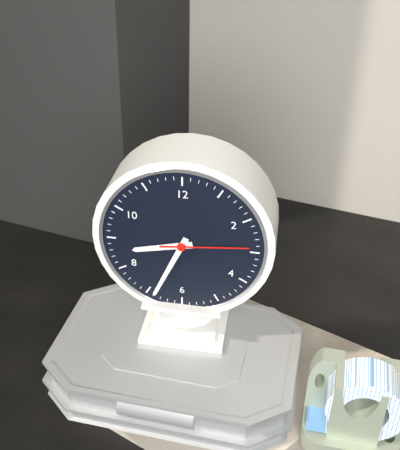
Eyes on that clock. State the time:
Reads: 8:34:14
